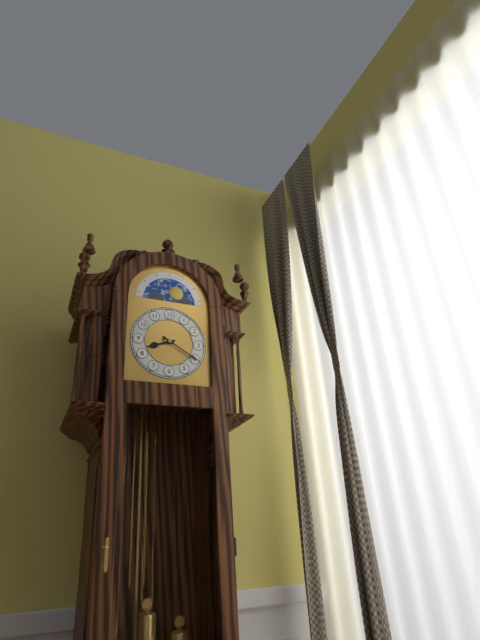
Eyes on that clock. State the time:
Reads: 8:20
